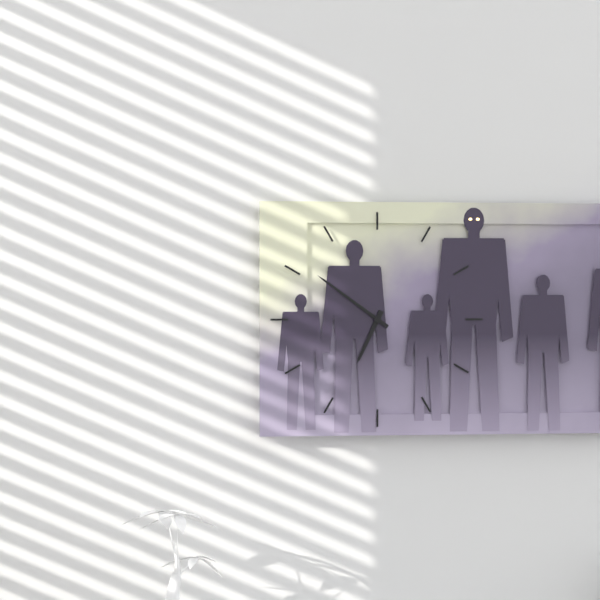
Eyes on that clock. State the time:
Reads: 6:51
